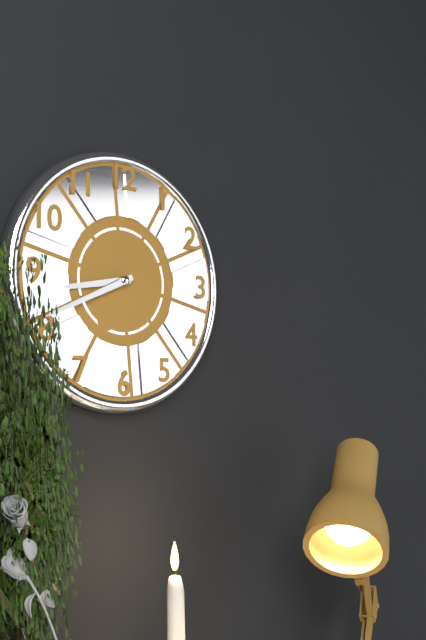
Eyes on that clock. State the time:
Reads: 8:41
